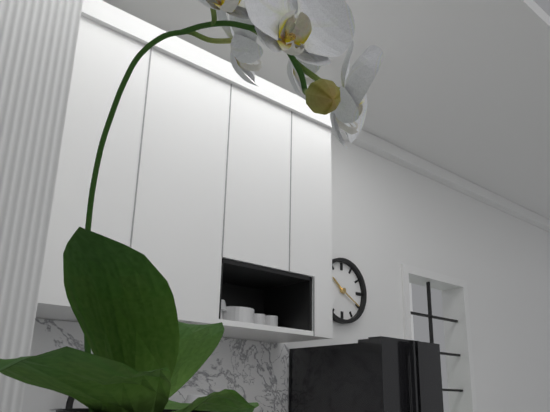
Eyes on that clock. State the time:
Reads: 10:20
